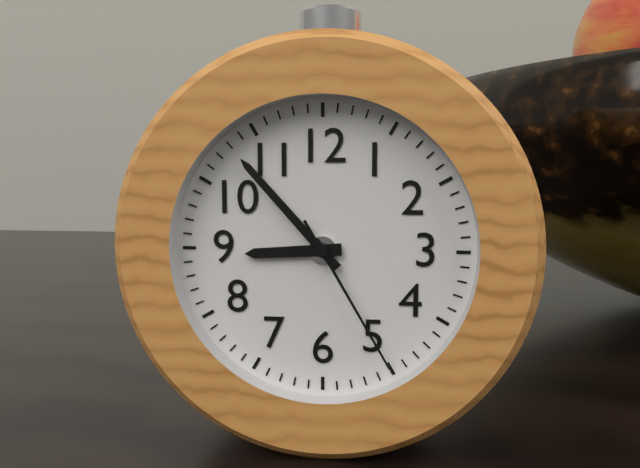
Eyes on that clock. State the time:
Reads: 8:53:25
